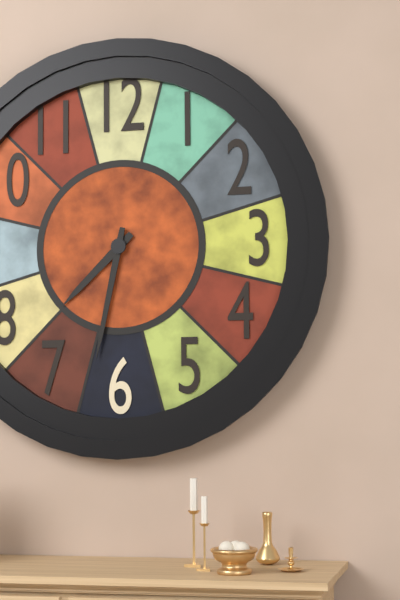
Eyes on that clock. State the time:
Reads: 7:32
